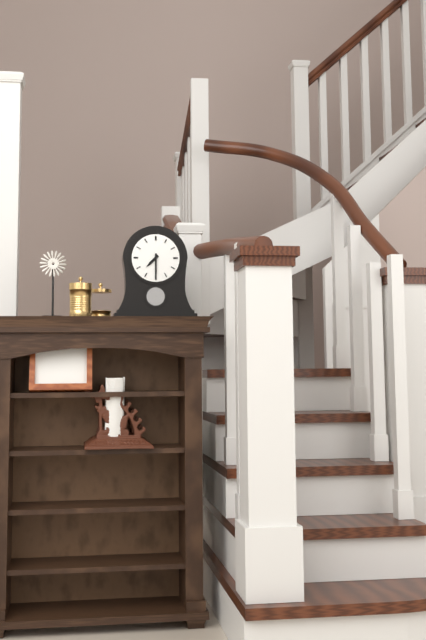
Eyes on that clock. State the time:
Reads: 7:30
